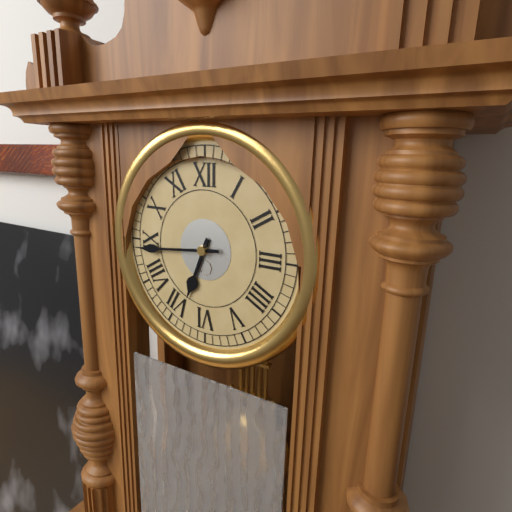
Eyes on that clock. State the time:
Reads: 6:44
